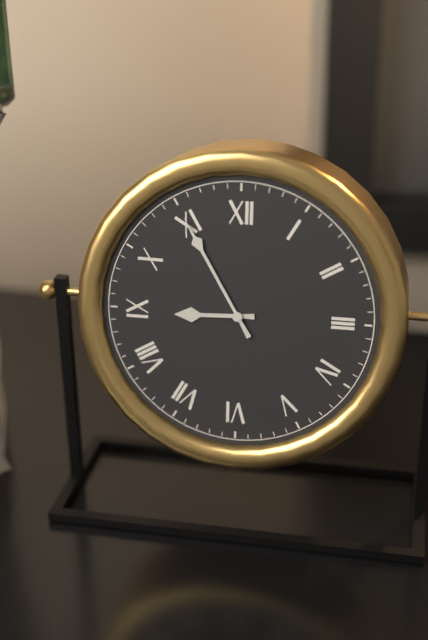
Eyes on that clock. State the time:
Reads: 8:55
